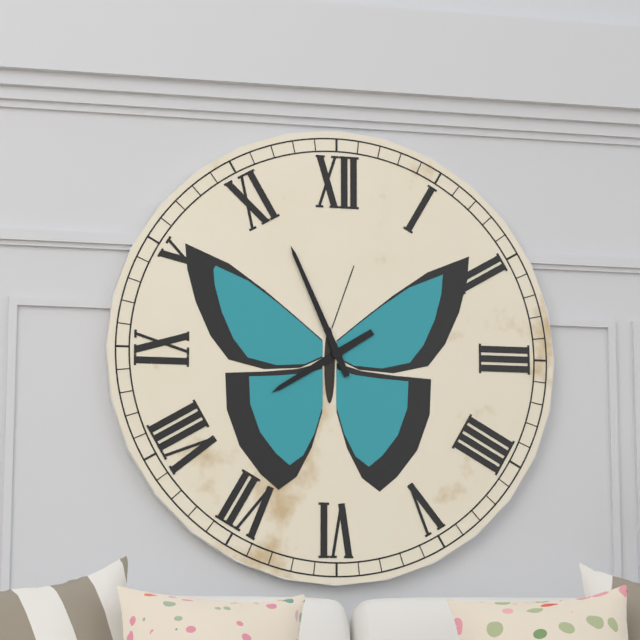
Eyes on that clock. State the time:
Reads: 7:56
